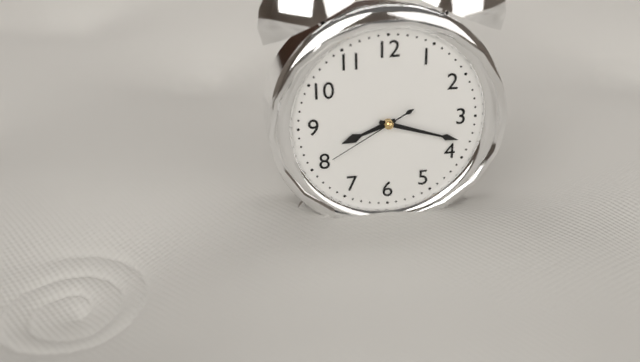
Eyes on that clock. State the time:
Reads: 8:18:40
